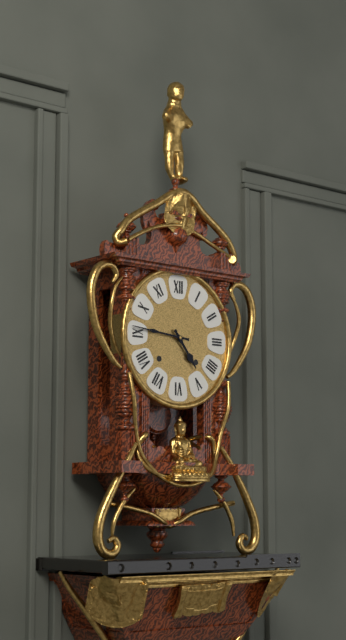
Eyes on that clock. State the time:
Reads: 4:46
